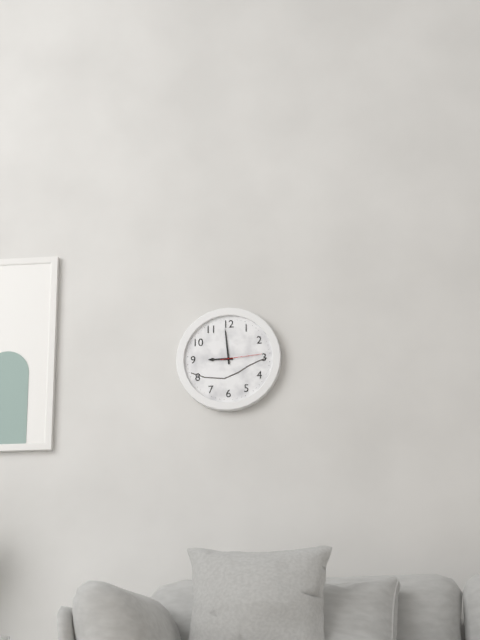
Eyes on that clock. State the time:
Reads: 8:59
